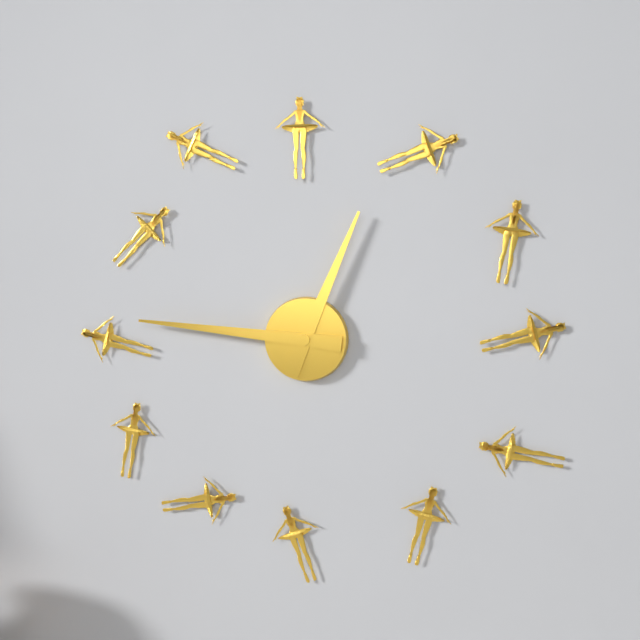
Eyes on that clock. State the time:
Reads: 12:46
